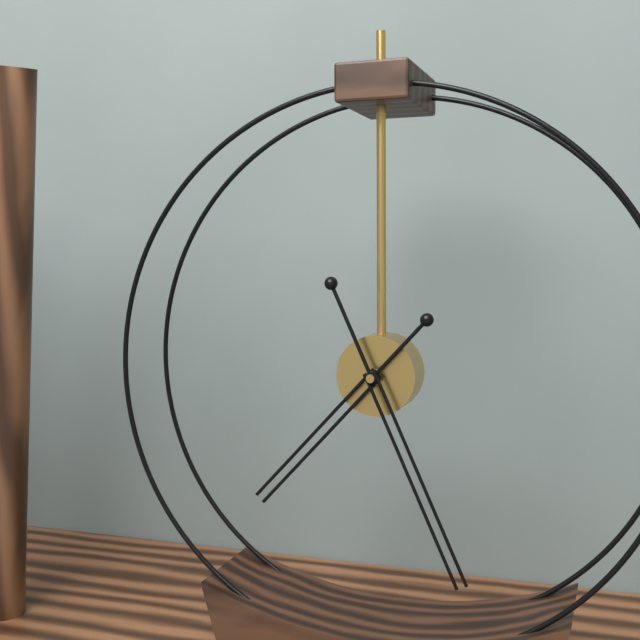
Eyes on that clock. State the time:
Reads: 7:26
